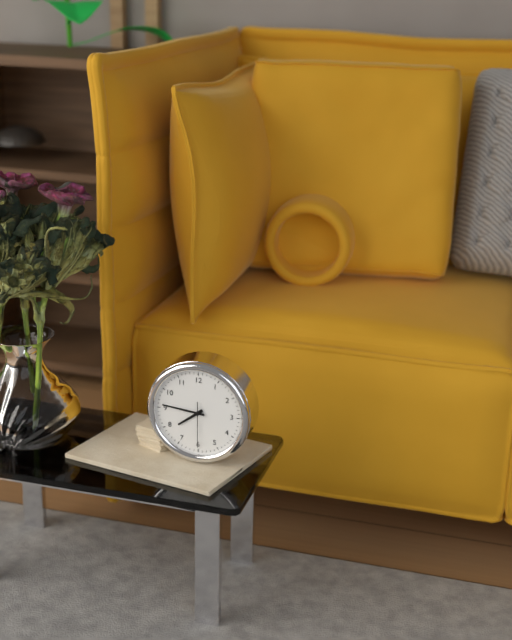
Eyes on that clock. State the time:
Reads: 7:46
